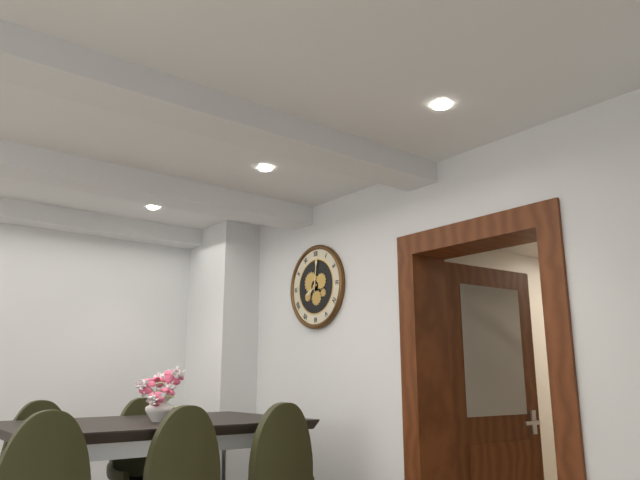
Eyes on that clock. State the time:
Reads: 8:01
